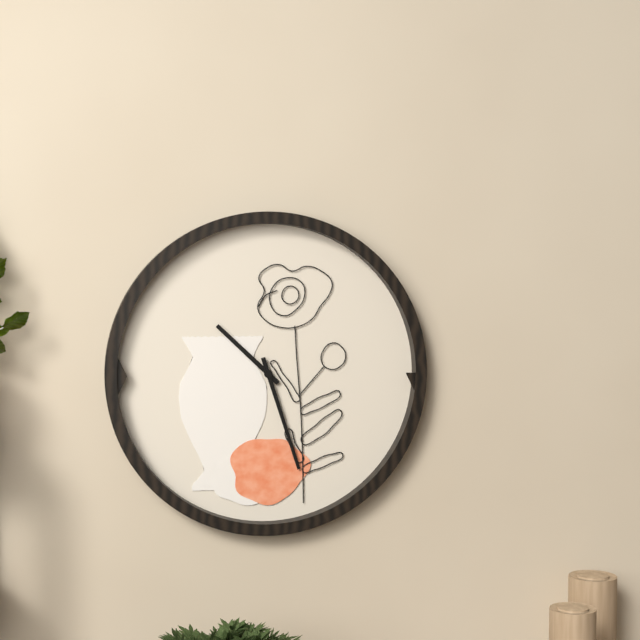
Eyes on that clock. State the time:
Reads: 10:27
